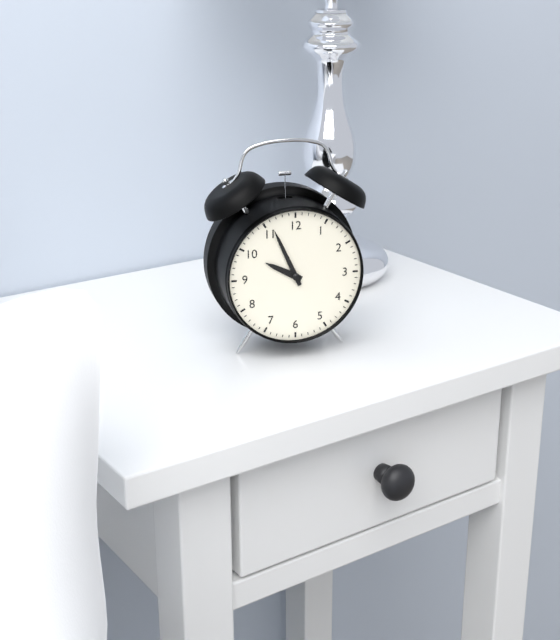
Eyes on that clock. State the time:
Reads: 9:56
